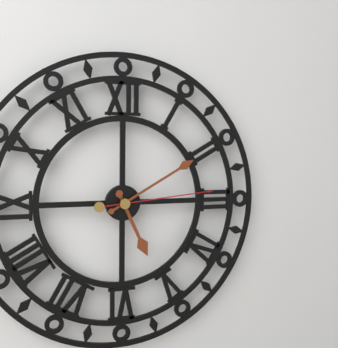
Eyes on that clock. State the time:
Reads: 5:10:14
